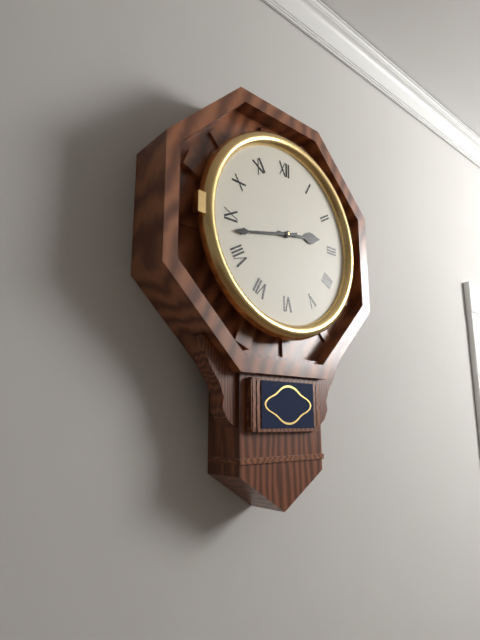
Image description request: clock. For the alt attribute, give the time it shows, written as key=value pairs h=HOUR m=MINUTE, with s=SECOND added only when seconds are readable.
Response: h=2 m=43
